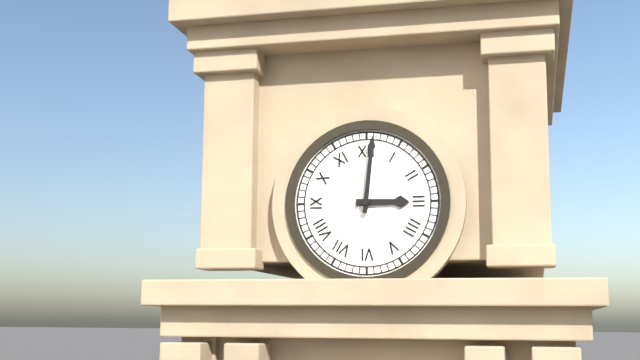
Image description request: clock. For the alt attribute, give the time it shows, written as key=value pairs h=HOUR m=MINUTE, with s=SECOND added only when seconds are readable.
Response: h=3 m=1
